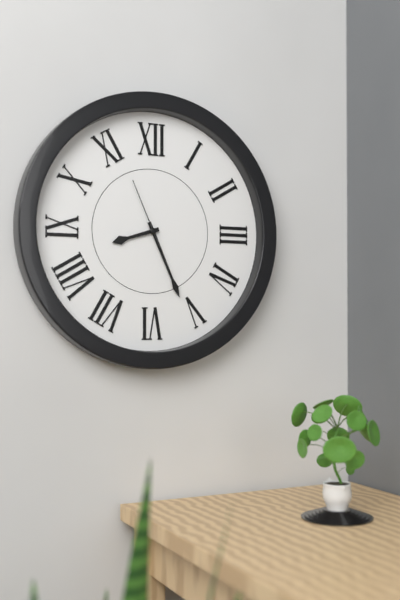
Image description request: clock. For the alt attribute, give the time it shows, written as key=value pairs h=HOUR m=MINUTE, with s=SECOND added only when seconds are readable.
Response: h=8 m=26 s=56
